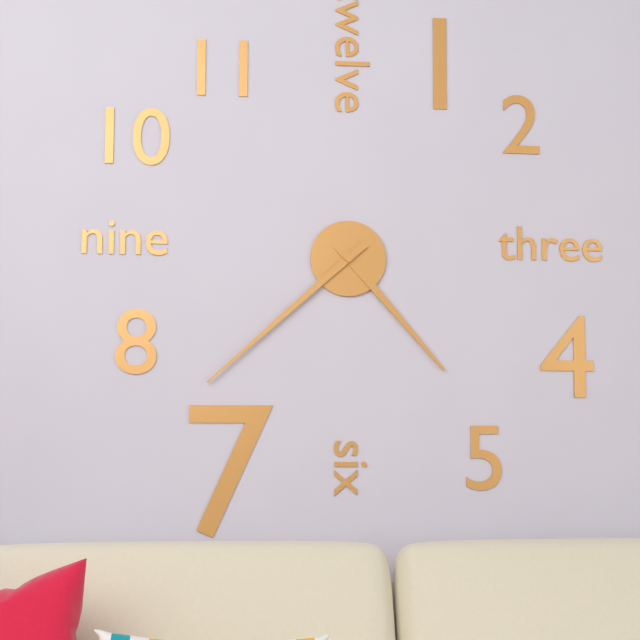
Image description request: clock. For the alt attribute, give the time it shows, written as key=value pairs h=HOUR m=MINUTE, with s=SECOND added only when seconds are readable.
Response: h=4 m=38
